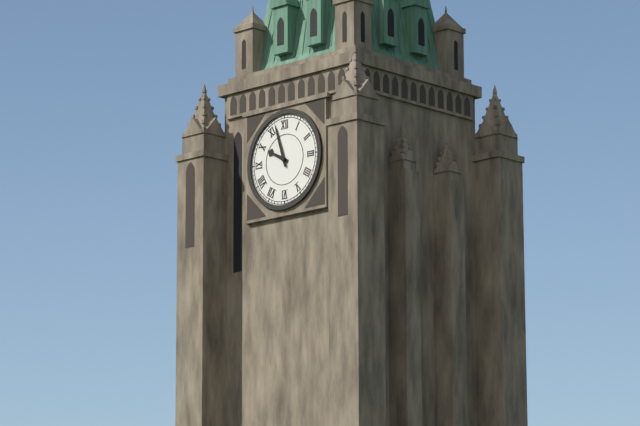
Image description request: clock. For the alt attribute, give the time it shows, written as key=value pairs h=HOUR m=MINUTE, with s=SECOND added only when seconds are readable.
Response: h=9 m=57
